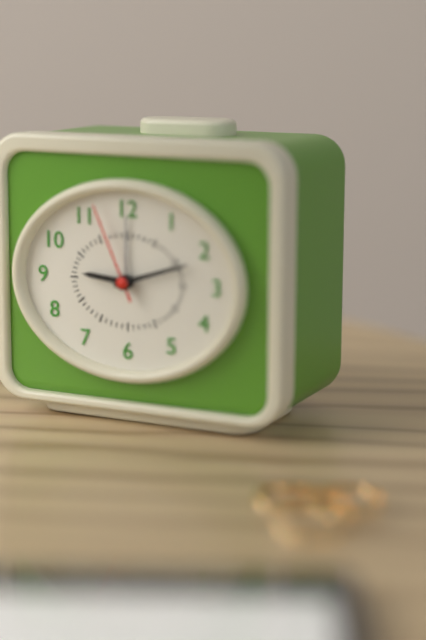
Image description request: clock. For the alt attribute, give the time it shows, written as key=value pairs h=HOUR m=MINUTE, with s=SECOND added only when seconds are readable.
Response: h=9 m=12 s=56
